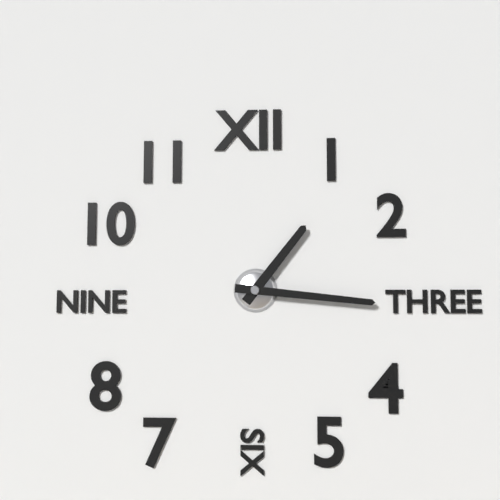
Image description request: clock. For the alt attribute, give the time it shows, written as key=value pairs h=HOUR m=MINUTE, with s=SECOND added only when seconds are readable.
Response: h=1 m=16
